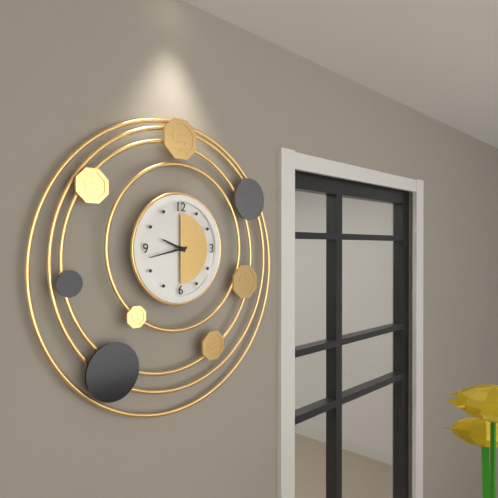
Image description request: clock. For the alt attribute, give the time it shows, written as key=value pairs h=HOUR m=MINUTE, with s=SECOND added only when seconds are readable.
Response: h=9 m=43
